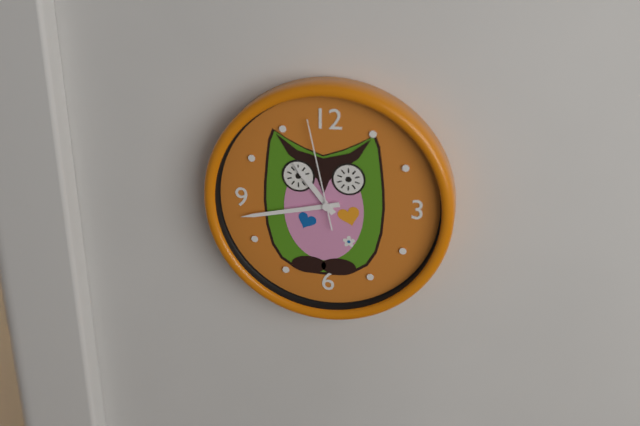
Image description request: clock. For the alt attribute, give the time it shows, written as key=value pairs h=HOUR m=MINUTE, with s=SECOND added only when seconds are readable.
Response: h=10 m=43 s=58
